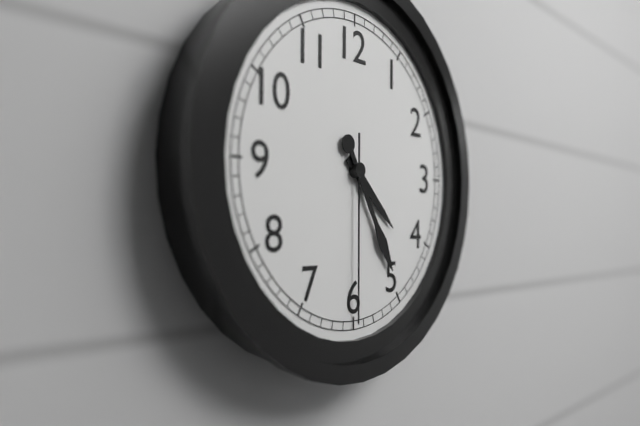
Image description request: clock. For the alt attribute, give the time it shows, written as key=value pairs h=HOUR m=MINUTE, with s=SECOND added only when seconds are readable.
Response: h=4 m=25 s=30
